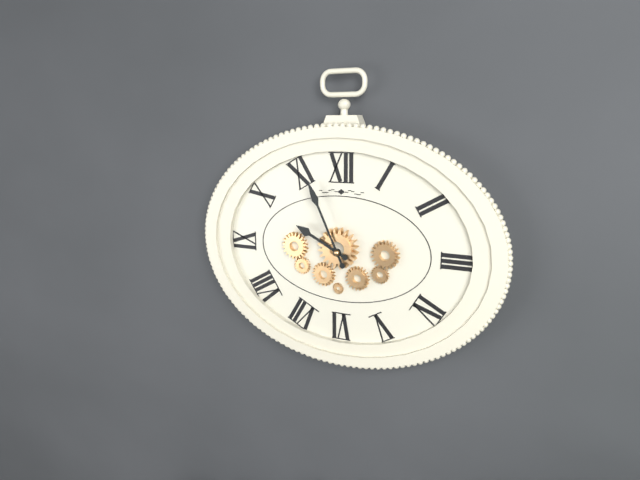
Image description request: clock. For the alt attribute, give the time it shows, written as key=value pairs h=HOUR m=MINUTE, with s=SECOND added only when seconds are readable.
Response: h=9 m=56
